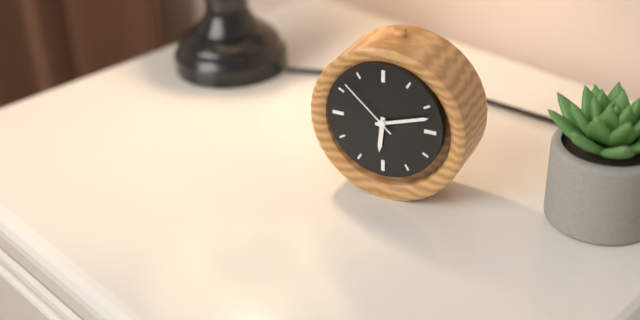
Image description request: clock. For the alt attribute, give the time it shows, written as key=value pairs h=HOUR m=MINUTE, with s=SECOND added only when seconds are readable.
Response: h=6 m=12 s=52
